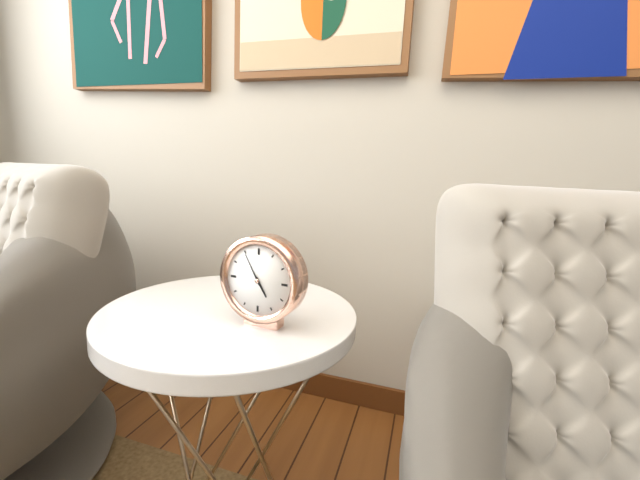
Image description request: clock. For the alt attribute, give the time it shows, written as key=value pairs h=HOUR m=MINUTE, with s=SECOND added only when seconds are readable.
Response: h=4 m=55
